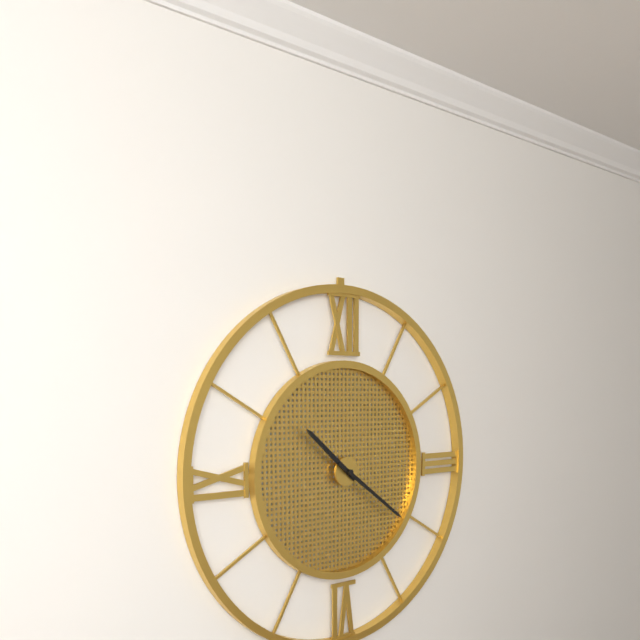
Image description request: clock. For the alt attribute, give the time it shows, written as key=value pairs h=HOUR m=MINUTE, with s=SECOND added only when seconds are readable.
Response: h=10 m=21
